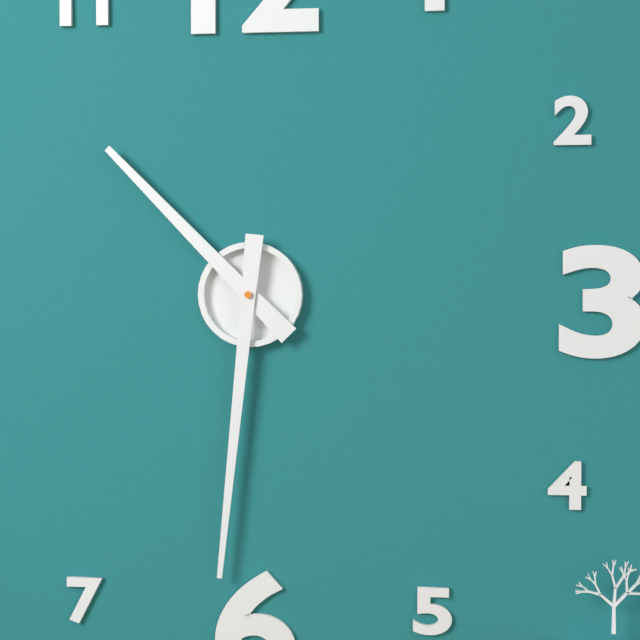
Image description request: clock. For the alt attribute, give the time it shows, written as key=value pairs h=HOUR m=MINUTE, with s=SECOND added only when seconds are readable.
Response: h=10 m=31
